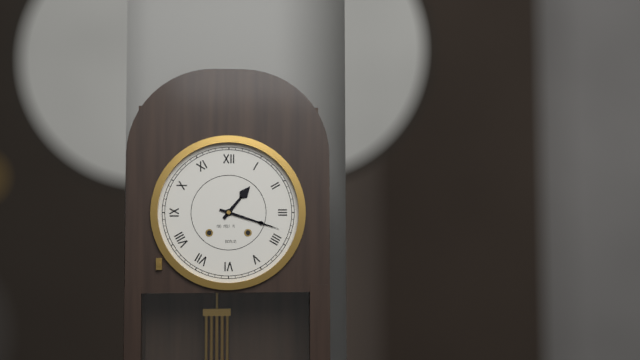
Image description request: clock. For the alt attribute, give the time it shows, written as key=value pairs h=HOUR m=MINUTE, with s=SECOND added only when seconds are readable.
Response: h=1 m=18
